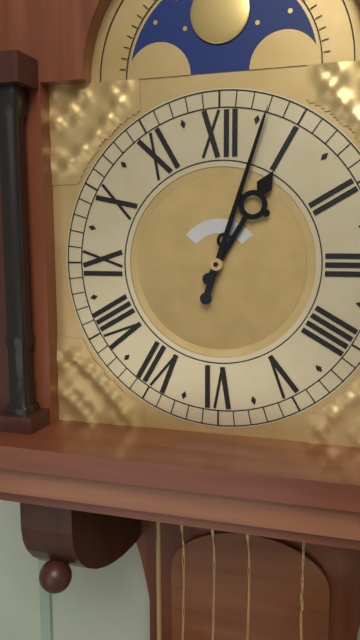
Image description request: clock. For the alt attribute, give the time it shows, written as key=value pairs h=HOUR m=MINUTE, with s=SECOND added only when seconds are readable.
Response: h=1 m=3
